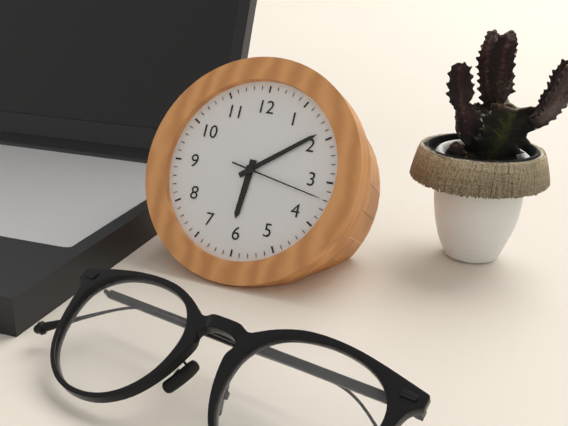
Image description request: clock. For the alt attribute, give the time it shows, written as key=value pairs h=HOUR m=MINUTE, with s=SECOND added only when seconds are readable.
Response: h=6 m=9 s=17
